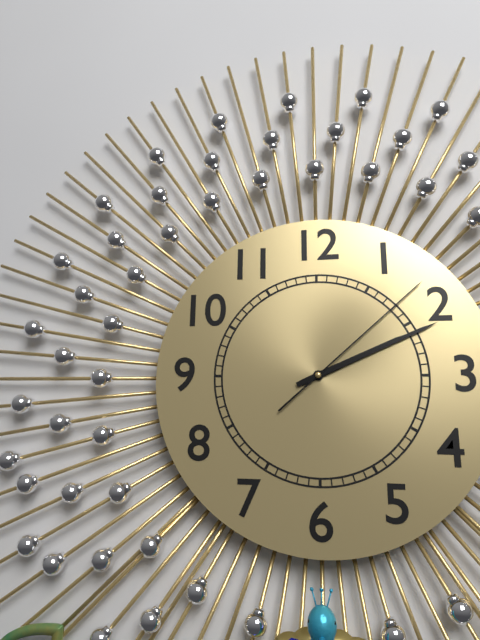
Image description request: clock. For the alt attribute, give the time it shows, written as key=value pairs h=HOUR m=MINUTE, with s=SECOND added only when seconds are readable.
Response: h=2 m=11 s=8
